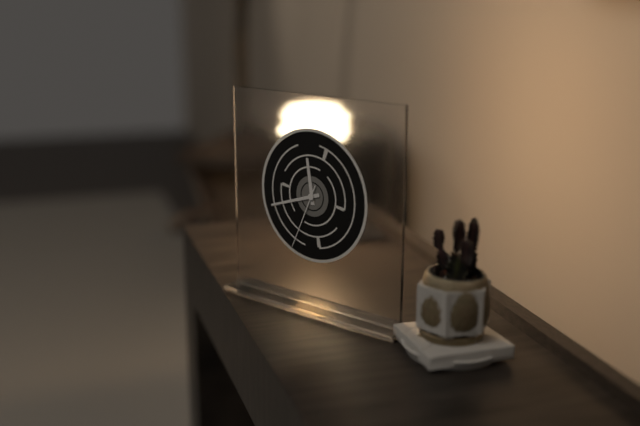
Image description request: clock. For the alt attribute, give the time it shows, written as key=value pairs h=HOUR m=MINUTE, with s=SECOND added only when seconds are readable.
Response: h=11 m=42 s=34
